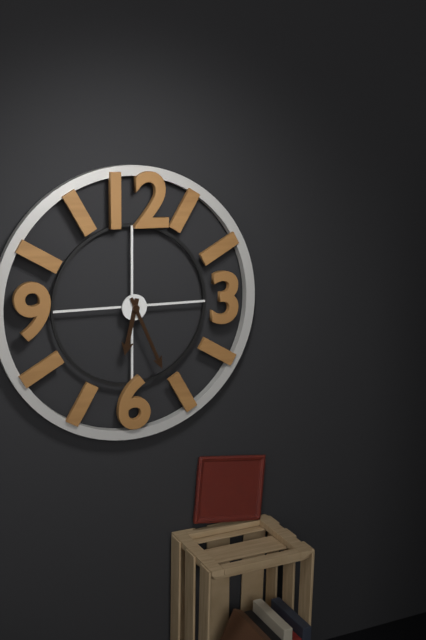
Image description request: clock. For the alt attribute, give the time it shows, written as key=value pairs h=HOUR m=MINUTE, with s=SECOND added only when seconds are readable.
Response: h=6 m=26
